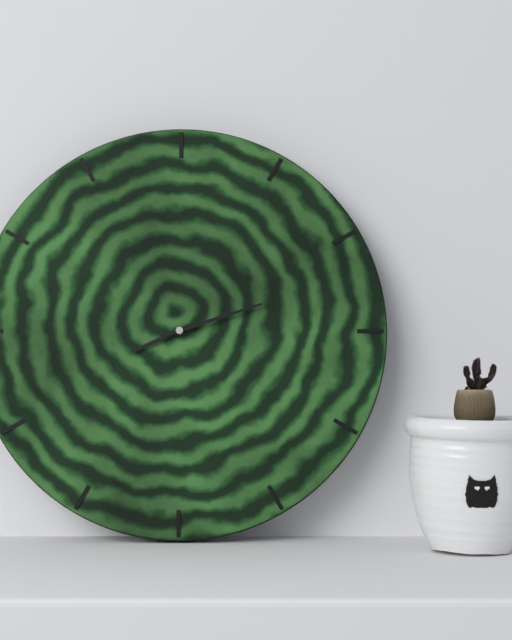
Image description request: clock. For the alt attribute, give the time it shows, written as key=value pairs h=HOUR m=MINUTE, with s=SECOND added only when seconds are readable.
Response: h=8 m=12
